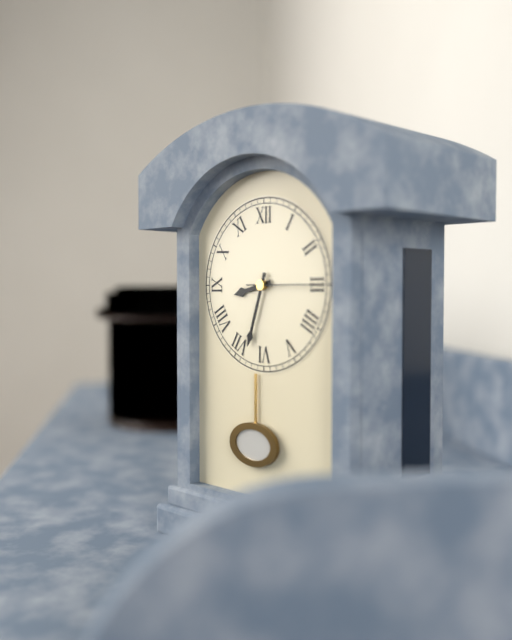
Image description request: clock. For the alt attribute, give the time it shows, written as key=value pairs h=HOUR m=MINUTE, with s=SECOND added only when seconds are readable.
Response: h=8 m=33
